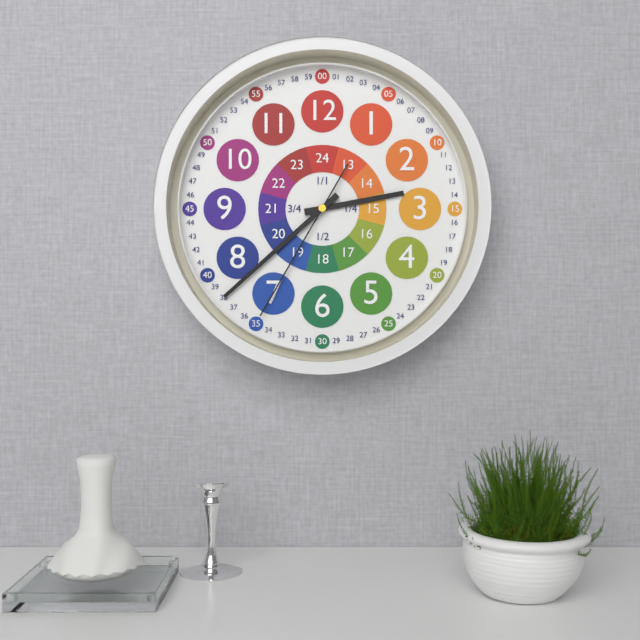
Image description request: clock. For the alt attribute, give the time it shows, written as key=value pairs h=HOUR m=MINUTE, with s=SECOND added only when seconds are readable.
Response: h=2 m=38 s=35
